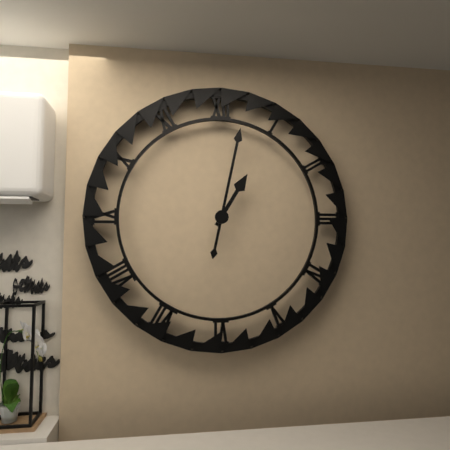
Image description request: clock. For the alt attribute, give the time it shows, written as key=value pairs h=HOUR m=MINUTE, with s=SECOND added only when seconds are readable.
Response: h=1 m=2
